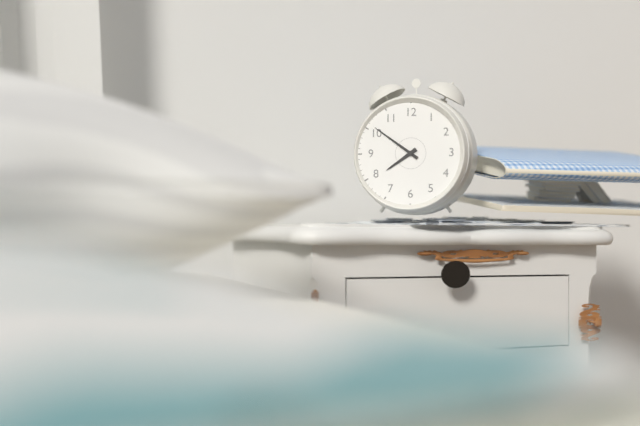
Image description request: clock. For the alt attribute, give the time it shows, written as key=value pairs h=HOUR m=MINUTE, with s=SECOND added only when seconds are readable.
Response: h=7 m=51
